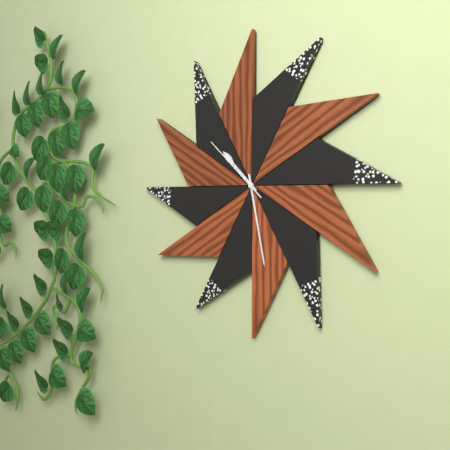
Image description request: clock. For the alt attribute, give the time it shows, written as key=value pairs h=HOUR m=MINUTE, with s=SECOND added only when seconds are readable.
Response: h=10 m=28 s=52
